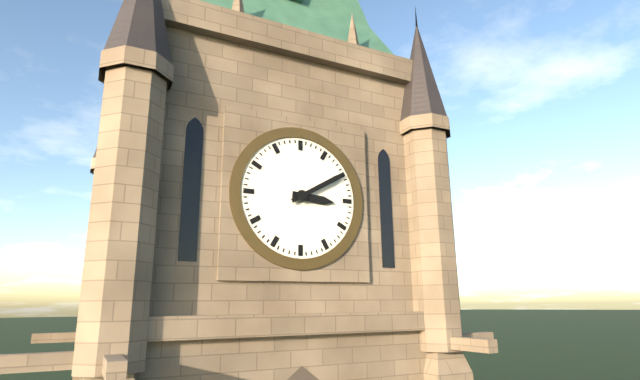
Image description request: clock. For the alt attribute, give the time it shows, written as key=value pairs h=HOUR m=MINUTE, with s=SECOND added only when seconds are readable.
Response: h=3 m=10
